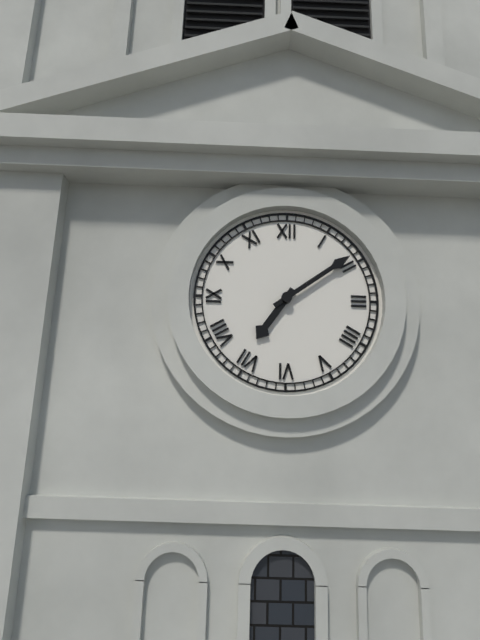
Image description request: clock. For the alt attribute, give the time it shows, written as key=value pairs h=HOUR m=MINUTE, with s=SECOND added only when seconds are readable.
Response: h=7 m=9
